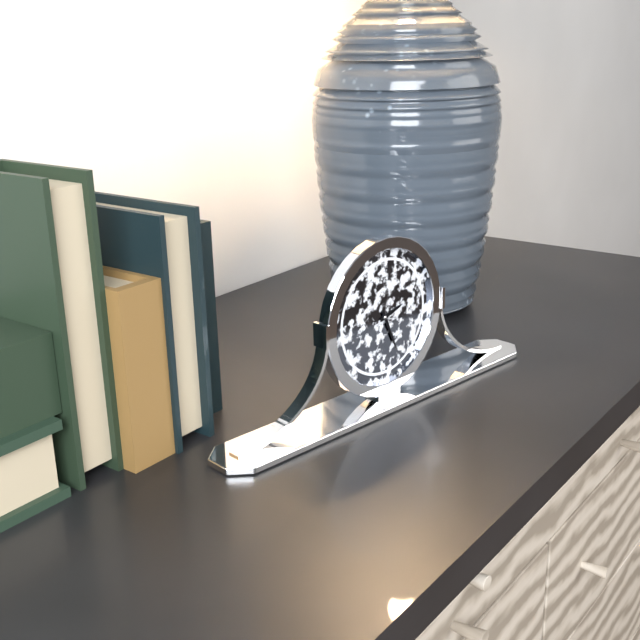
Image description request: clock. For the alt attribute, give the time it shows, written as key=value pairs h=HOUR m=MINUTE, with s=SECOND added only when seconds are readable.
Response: h=2 m=26
